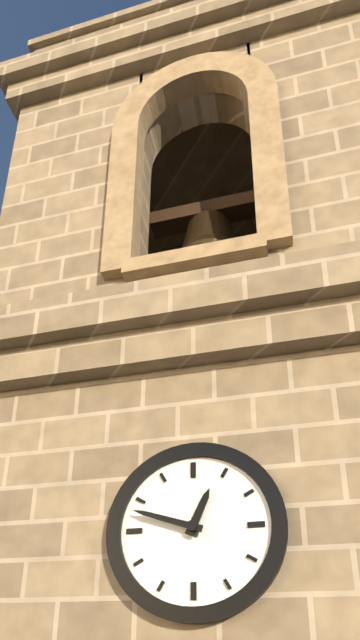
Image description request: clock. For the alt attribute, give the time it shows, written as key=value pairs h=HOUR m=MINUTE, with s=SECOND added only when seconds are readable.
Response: h=12 m=48
